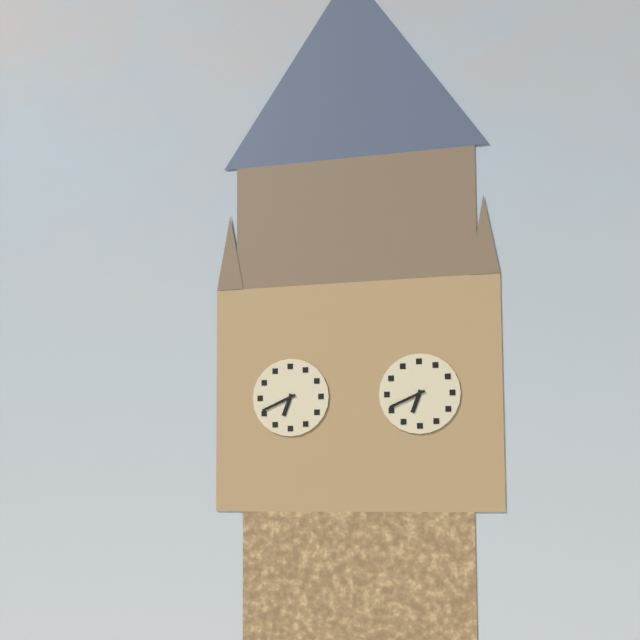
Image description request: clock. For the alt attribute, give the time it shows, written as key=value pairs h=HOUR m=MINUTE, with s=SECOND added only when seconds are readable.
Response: h=6 m=41
